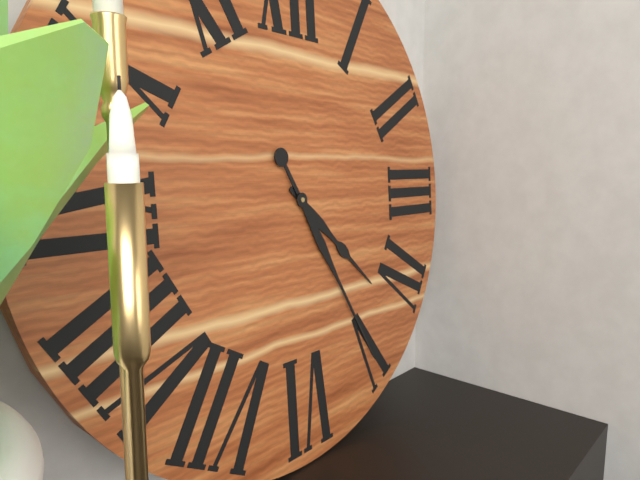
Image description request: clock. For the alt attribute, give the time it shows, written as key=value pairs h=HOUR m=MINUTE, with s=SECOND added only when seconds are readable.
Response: h=4 m=25
